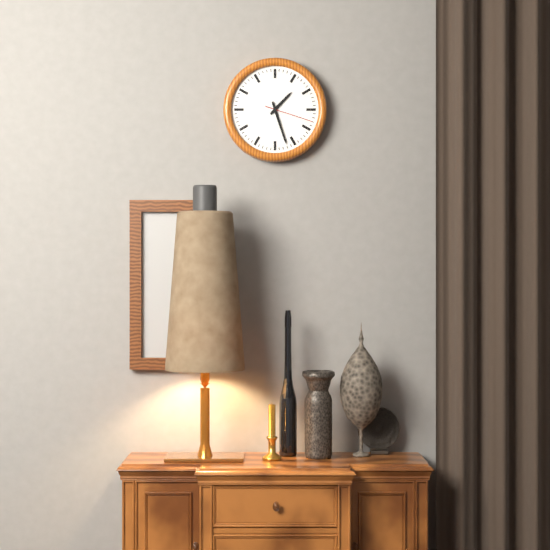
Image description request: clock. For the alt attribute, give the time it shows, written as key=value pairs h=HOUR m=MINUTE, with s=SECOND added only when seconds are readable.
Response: h=1 m=27
